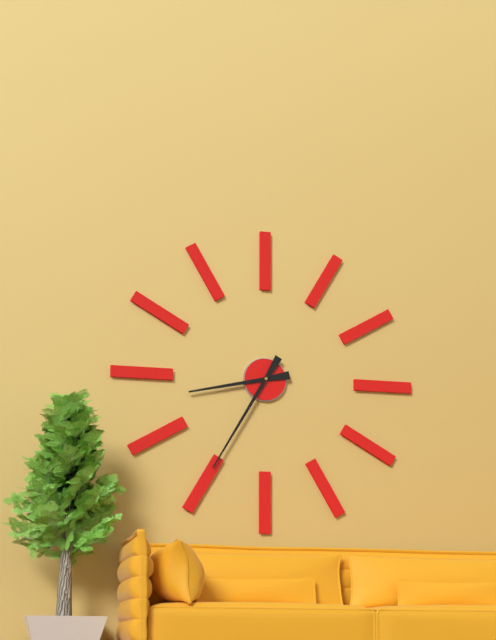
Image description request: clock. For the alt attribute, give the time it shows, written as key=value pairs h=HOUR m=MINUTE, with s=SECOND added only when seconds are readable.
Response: h=8 m=35
